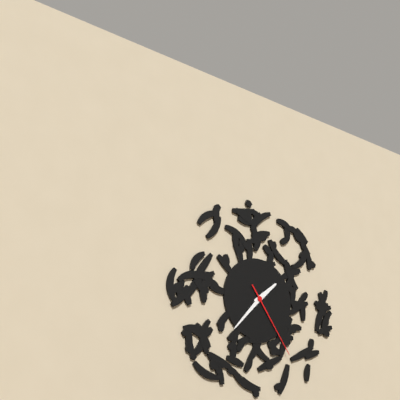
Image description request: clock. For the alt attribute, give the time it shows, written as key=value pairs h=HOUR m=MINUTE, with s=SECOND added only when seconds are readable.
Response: h=1 m=37 s=24
